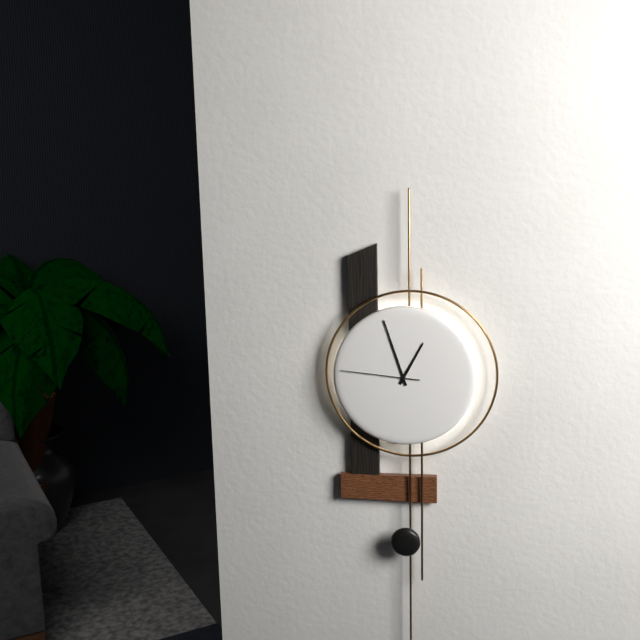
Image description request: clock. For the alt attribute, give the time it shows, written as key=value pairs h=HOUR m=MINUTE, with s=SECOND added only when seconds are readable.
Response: h=12 m=57 s=46
